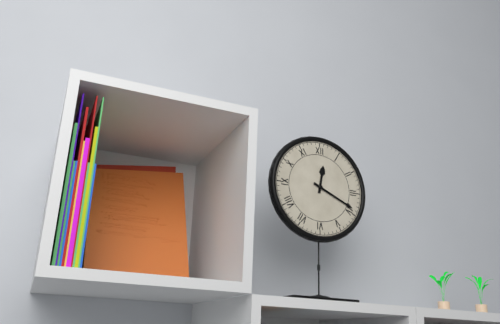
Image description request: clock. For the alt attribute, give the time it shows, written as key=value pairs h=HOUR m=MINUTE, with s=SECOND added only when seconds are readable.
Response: h=12 m=19
